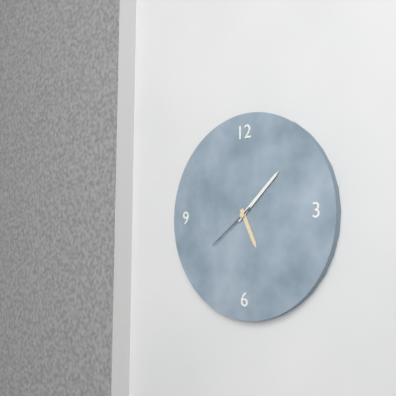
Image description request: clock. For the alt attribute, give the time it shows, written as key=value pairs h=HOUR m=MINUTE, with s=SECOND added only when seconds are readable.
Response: h=5 m=8 s=39
